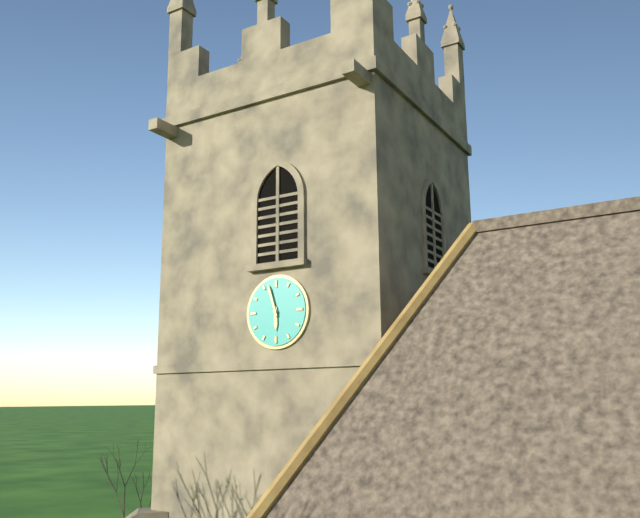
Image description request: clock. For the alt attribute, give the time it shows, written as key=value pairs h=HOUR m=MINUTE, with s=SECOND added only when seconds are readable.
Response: h=5 m=57
